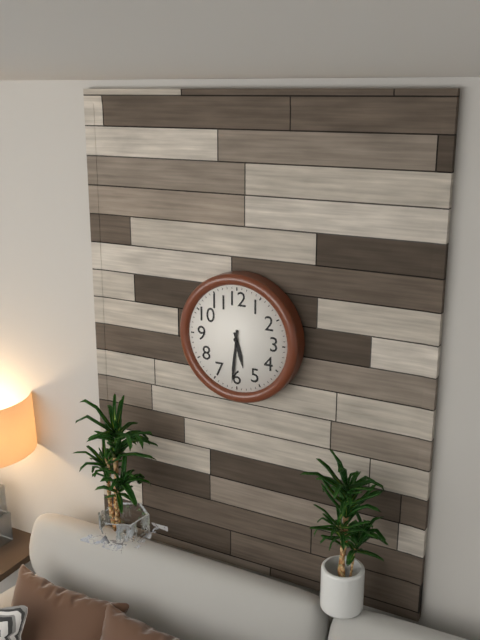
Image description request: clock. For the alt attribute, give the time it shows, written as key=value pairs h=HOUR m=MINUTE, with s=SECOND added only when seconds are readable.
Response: h=5 m=31
